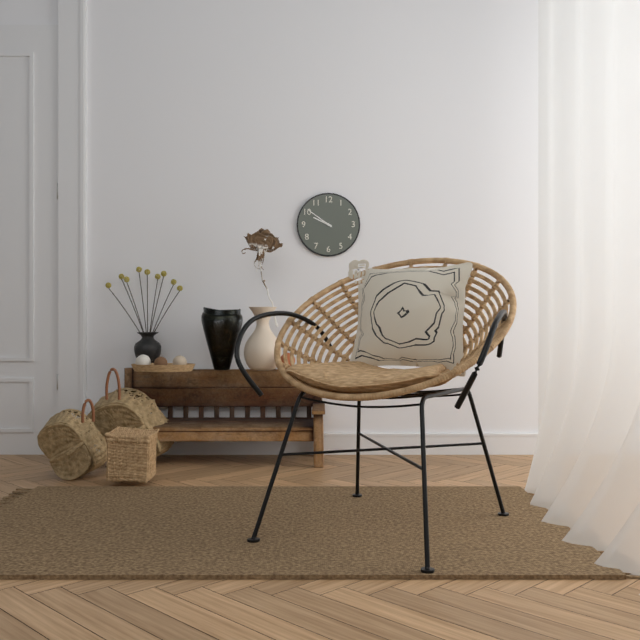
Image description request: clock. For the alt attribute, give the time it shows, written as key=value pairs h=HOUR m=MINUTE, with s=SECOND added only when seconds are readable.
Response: h=9 m=51
